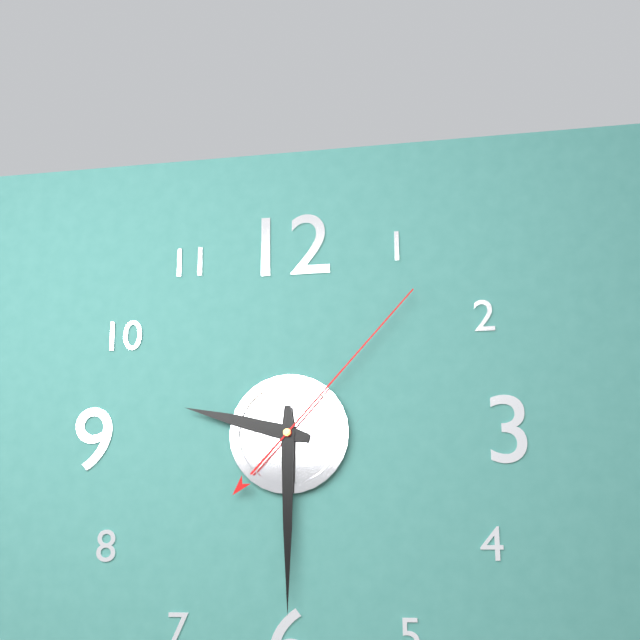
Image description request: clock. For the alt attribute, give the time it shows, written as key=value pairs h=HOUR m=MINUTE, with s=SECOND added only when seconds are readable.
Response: h=9 m=30 s=7
